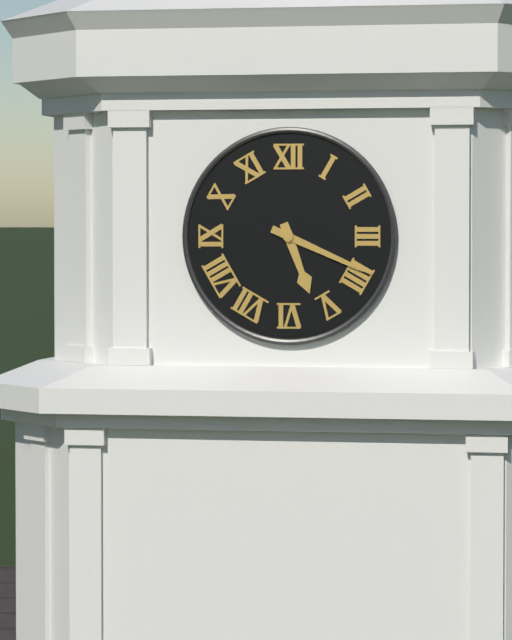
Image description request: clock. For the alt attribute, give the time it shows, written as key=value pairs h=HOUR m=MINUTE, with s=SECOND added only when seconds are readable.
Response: h=5 m=19
